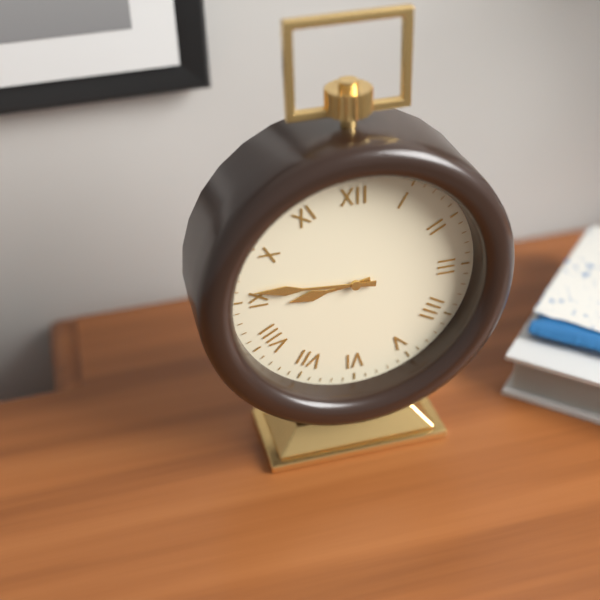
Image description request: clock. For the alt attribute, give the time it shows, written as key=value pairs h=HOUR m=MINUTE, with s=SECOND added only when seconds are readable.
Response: h=8 m=46
